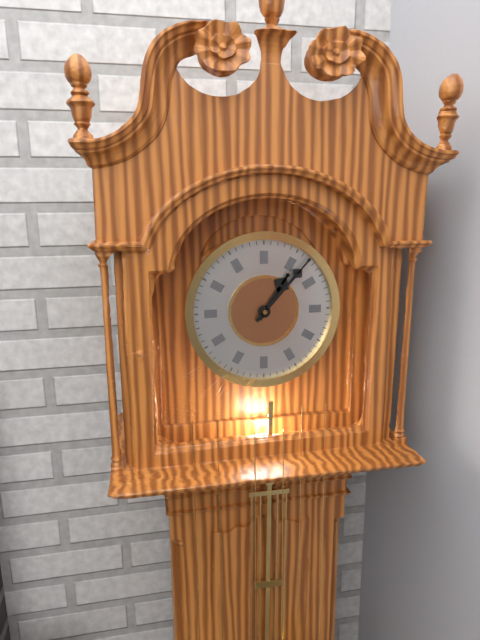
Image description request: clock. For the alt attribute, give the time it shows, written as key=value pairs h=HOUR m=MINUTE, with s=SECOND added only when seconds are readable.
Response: h=1 m=7
